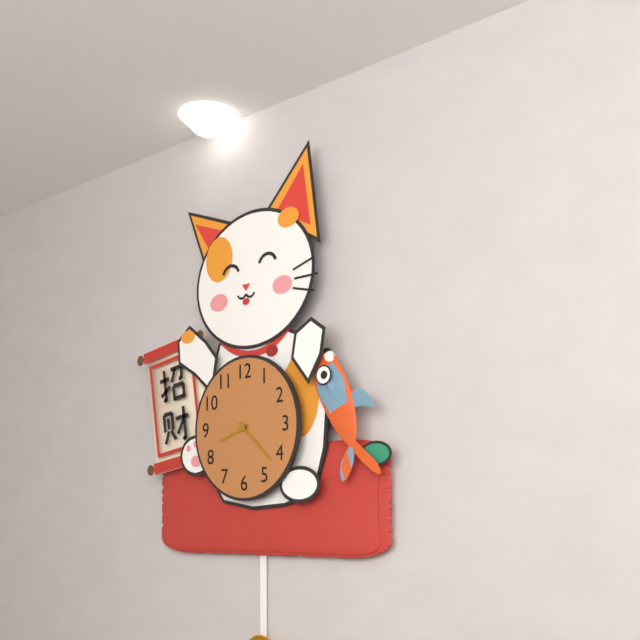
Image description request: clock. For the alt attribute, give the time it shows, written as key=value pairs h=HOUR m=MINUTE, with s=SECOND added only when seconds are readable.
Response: h=8 m=22
